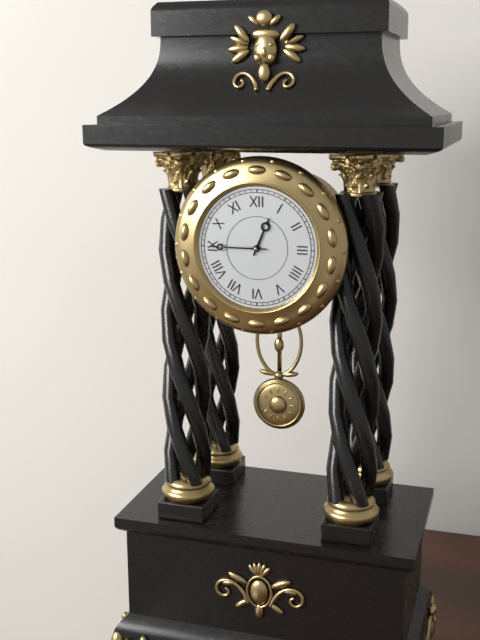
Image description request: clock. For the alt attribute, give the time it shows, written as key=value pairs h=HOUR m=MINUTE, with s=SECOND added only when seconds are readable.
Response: h=12 m=45
